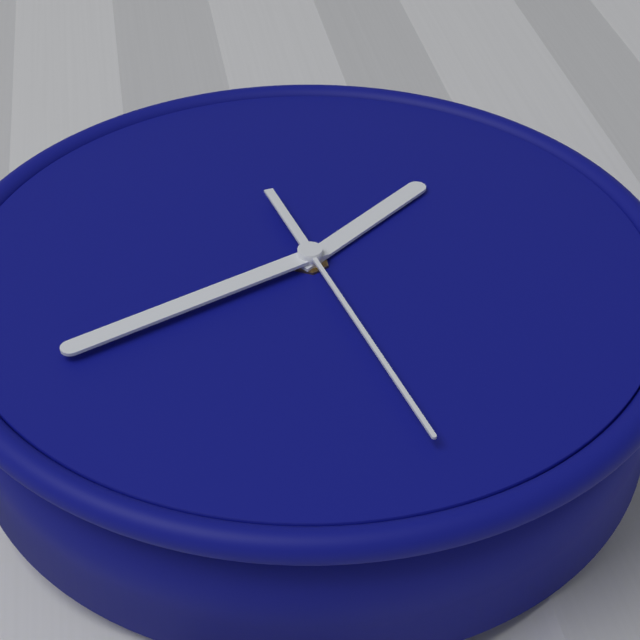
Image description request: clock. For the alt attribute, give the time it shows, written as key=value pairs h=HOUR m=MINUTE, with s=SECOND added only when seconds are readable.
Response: h=1 m=41 s=28
